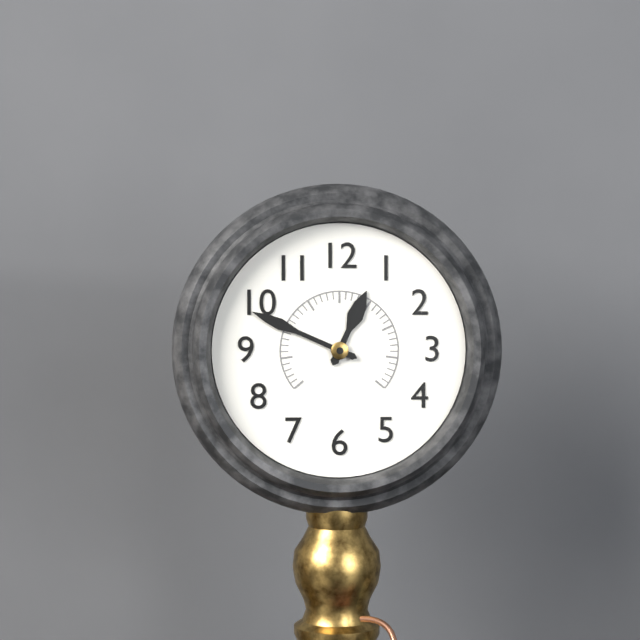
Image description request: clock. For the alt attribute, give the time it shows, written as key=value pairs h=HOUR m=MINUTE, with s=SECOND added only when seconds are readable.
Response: h=12 m=49
